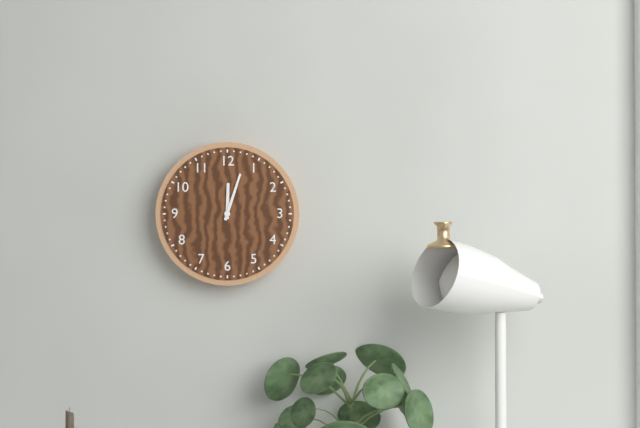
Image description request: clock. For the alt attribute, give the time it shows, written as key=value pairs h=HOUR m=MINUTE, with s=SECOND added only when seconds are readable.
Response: h=12 m=3
